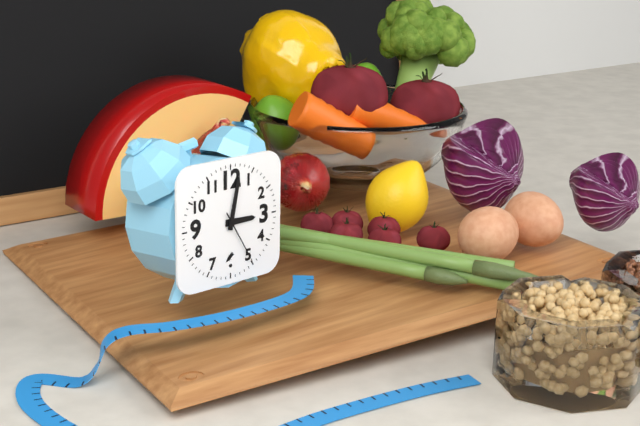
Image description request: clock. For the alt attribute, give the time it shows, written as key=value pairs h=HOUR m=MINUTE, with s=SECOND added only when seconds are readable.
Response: h=3 m=2 s=25
